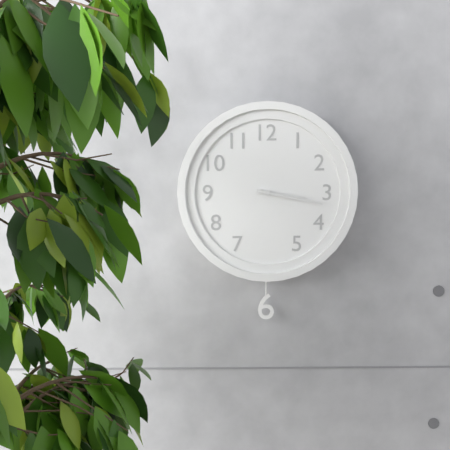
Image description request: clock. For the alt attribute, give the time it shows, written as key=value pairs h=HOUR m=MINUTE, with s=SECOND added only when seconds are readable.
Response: h=3 m=17
